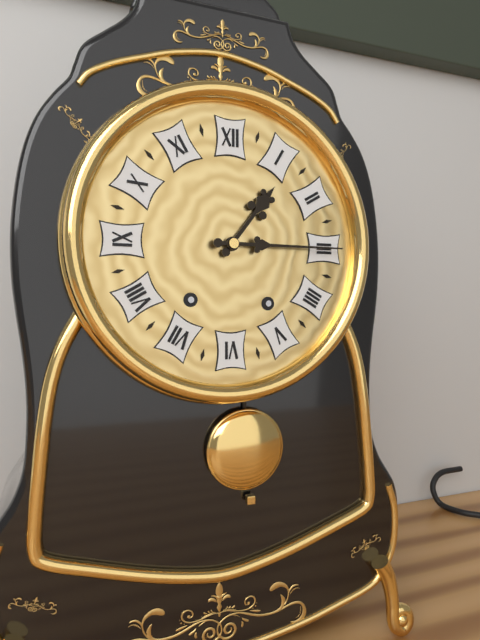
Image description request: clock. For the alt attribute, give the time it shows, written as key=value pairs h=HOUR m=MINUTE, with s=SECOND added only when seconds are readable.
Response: h=1 m=15
